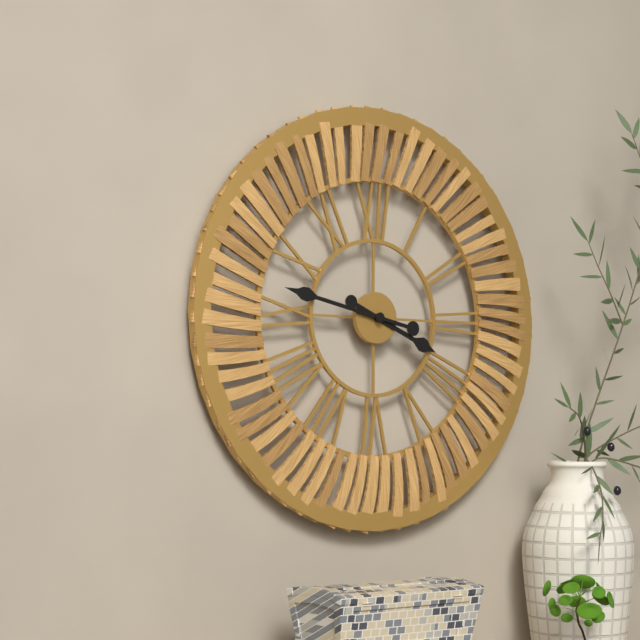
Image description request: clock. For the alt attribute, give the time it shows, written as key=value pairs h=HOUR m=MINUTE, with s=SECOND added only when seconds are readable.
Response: h=3 m=47
